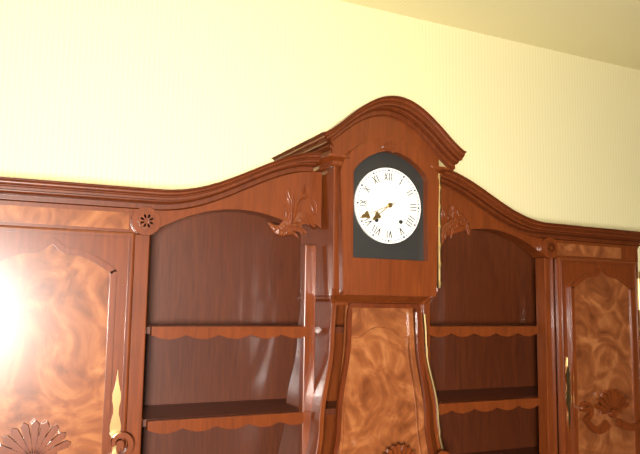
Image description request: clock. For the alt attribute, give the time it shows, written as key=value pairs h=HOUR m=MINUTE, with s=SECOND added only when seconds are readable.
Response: h=7 m=41
